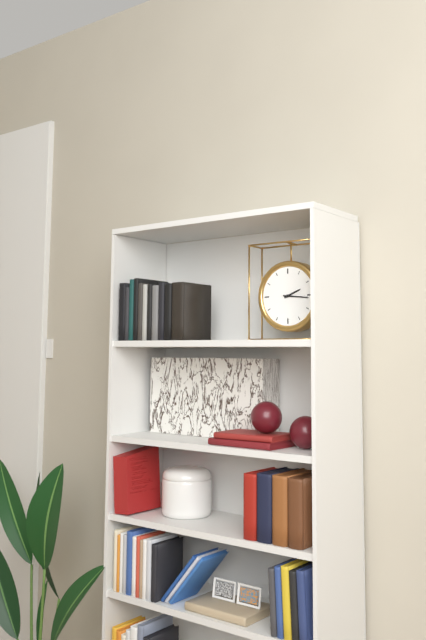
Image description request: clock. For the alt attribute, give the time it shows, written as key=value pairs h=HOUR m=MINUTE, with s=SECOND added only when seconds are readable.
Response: h=2 m=16
